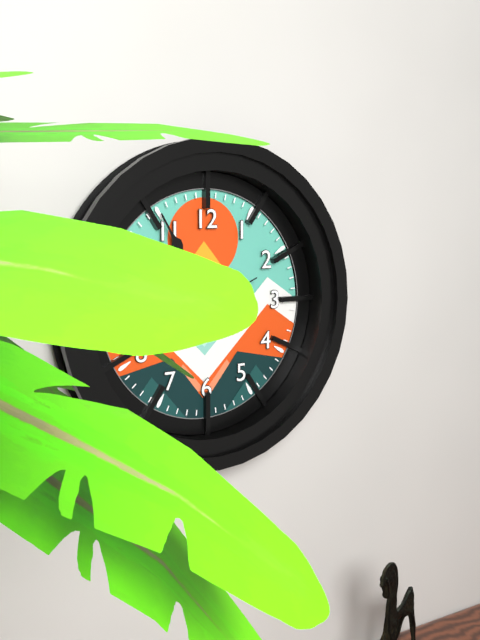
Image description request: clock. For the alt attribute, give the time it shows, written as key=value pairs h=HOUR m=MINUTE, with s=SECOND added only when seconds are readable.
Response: h=10 m=55 s=11
